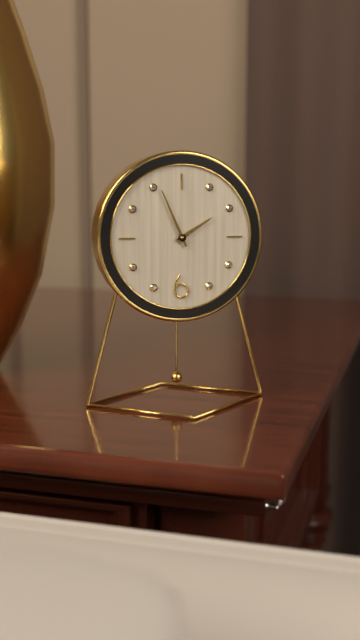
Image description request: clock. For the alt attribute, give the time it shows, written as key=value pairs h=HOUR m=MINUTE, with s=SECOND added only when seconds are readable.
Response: h=1 m=56
